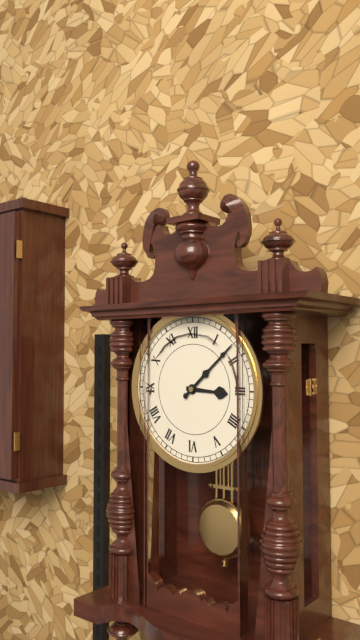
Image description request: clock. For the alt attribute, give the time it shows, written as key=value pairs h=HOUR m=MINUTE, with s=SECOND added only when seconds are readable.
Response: h=3 m=8
